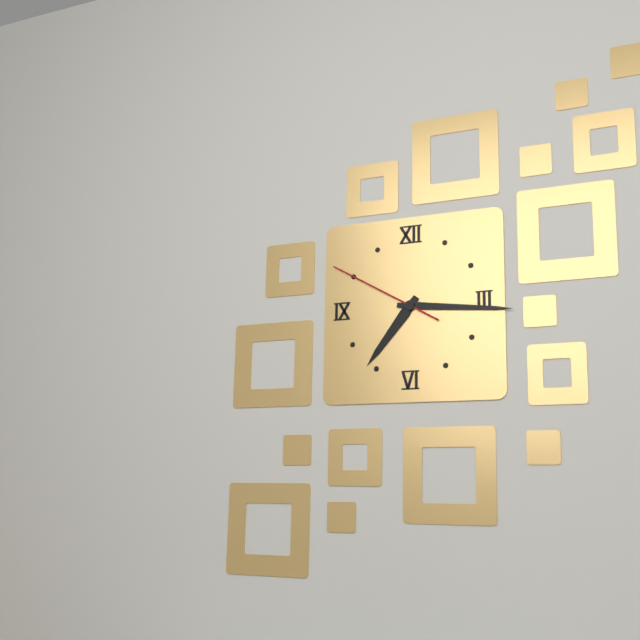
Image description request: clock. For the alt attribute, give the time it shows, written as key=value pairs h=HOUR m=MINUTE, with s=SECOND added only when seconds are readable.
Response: h=7 m=16 s=50
